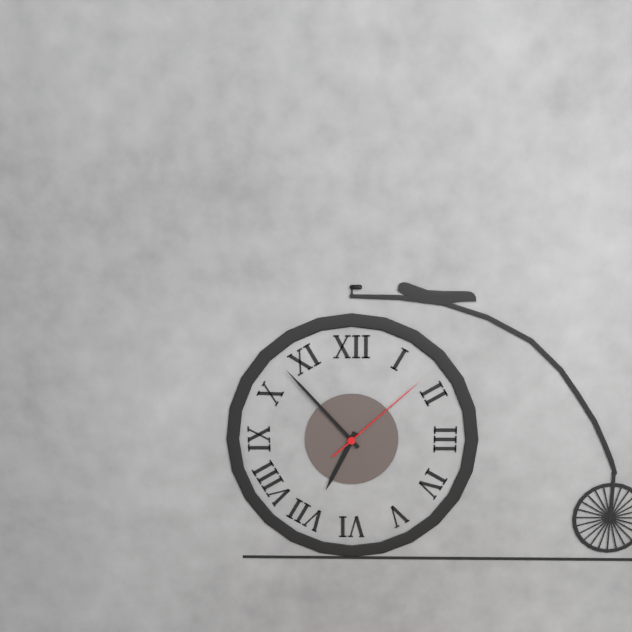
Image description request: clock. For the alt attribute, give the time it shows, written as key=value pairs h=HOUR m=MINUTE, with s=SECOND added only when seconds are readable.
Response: h=6 m=53 s=8
